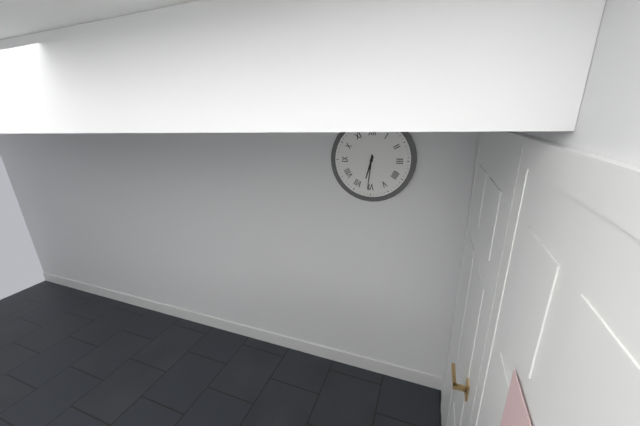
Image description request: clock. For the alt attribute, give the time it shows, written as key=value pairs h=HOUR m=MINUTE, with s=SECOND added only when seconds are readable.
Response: h=6 m=31
